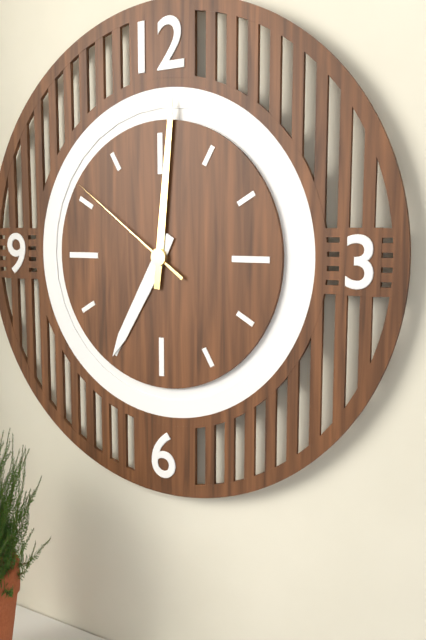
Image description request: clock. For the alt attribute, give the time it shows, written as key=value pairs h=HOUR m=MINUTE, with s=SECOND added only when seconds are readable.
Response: h=7 m=1 s=51
